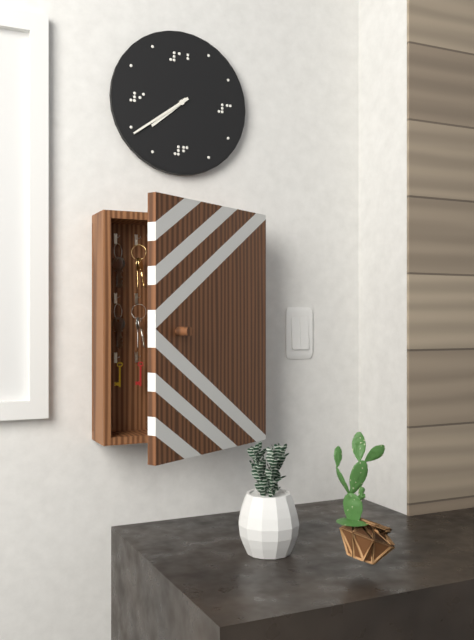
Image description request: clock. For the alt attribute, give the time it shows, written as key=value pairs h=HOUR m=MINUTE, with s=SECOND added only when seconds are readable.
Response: h=7 m=39
